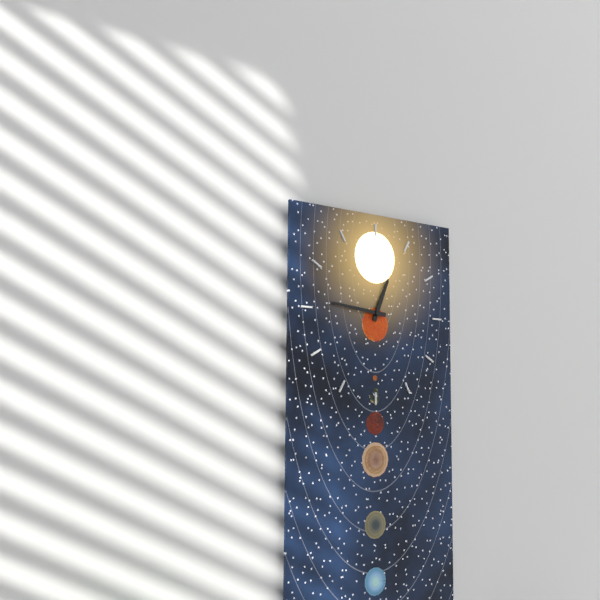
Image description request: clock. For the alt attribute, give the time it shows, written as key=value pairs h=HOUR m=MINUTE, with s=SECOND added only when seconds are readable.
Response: h=12 m=46
